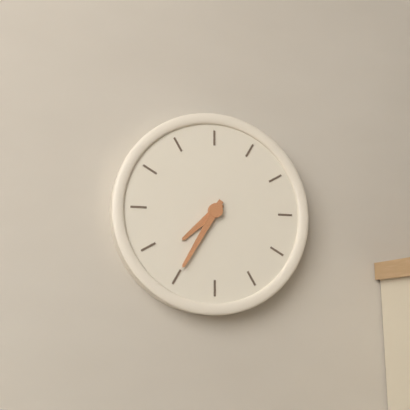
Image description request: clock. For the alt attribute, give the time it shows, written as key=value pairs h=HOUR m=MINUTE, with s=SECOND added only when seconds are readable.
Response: h=7 m=35
